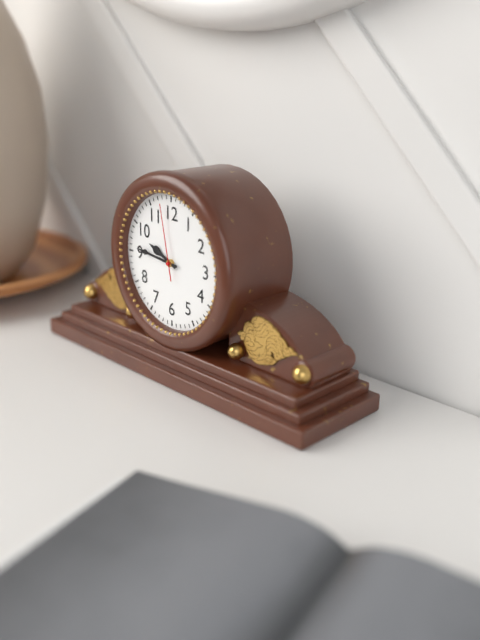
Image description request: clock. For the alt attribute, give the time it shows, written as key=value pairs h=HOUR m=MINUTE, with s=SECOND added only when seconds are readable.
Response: h=9 m=46 s=58
